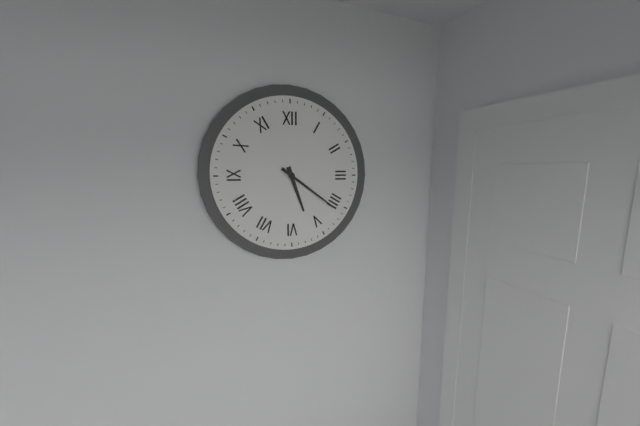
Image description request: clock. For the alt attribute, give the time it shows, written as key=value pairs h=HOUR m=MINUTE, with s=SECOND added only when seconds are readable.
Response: h=5 m=21
